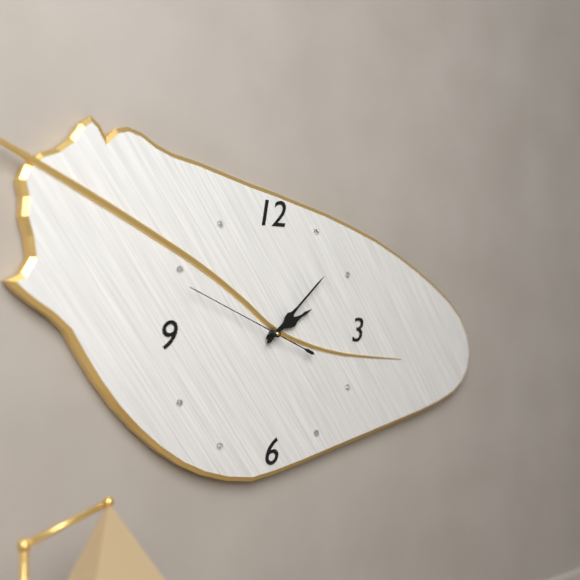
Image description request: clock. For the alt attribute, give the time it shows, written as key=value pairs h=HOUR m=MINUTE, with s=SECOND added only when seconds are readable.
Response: h=2 m=8 s=49
